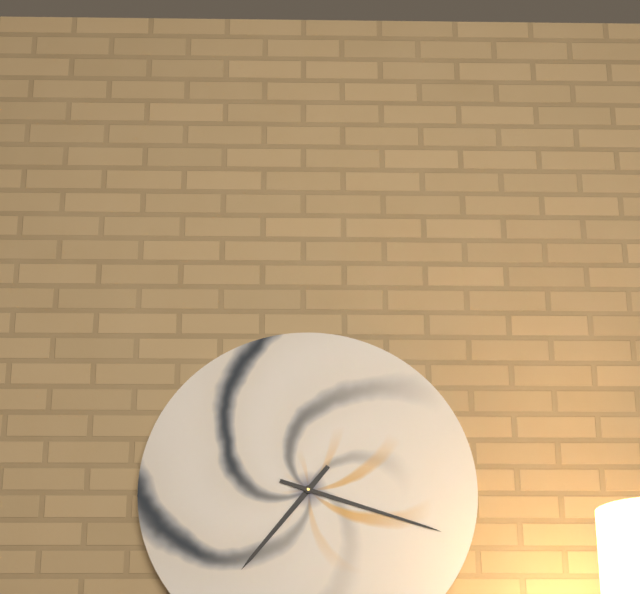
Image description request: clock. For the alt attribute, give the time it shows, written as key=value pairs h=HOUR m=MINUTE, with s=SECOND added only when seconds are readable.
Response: h=7 m=18
